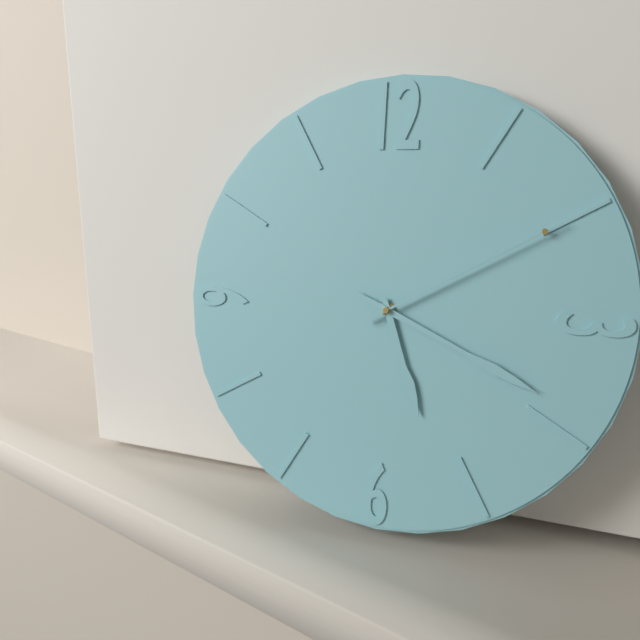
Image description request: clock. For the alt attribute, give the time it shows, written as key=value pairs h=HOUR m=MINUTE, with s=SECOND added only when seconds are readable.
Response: h=5 m=19 s=10
